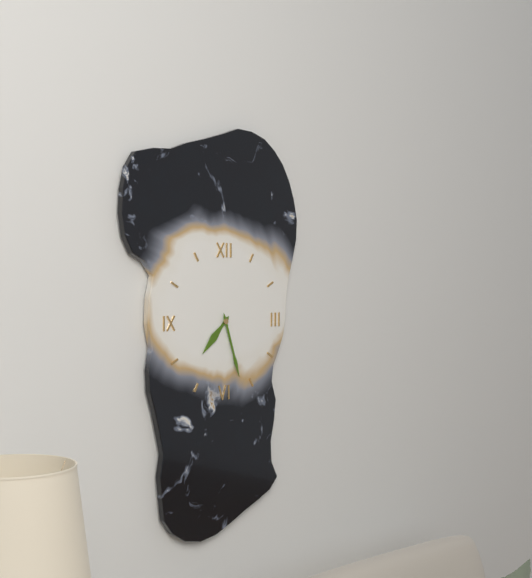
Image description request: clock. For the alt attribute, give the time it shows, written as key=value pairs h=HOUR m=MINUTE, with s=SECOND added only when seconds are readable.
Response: h=7 m=27
